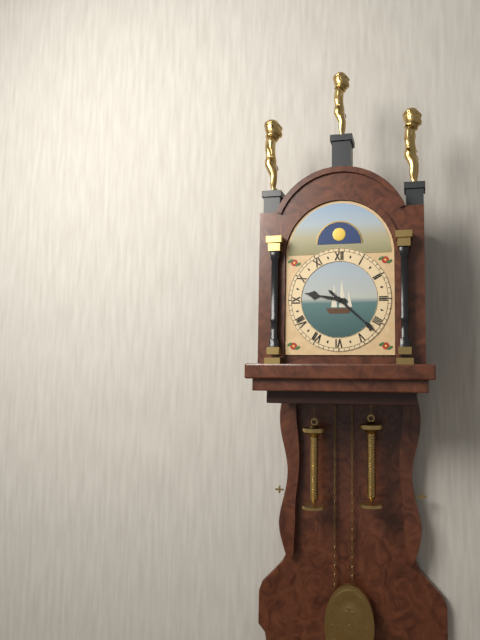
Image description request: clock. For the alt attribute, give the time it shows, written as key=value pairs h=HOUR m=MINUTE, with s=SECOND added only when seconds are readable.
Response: h=9 m=22
